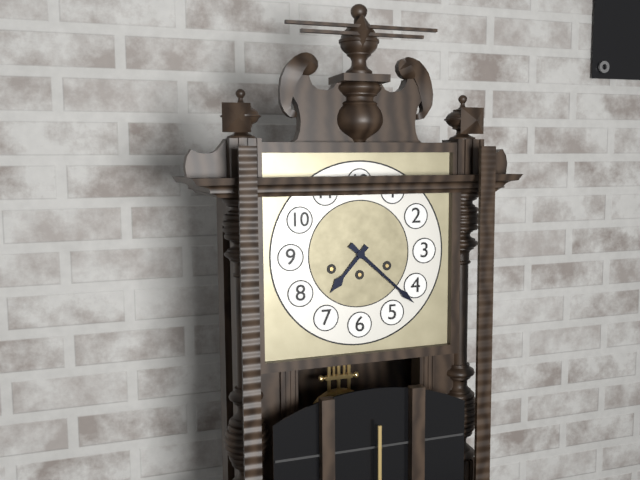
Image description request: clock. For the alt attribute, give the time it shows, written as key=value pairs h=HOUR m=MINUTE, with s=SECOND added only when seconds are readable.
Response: h=7 m=22
